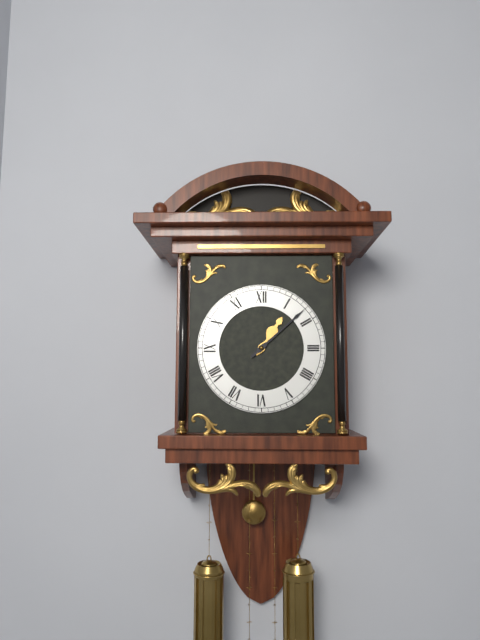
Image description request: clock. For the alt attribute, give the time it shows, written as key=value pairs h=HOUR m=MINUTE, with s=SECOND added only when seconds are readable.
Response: h=1 m=8
